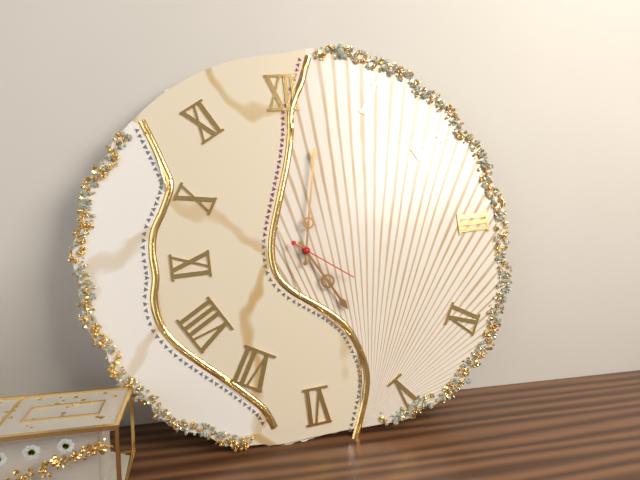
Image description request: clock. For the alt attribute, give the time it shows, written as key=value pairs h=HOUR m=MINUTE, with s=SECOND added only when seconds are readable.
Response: h=5 m=2 s=21
